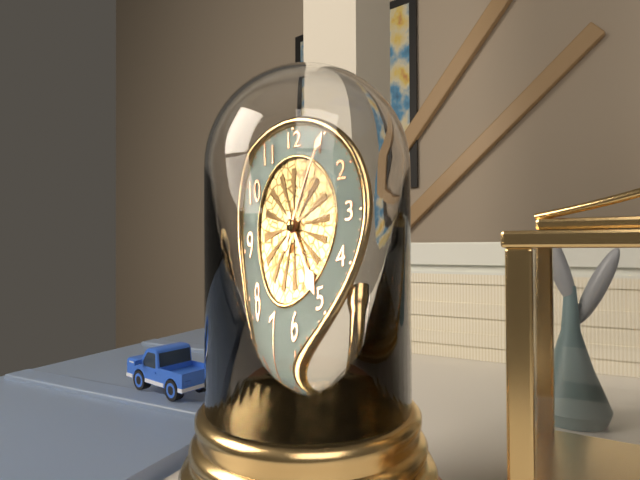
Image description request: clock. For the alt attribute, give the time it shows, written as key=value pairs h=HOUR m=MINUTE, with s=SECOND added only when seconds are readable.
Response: h=5 m=5
